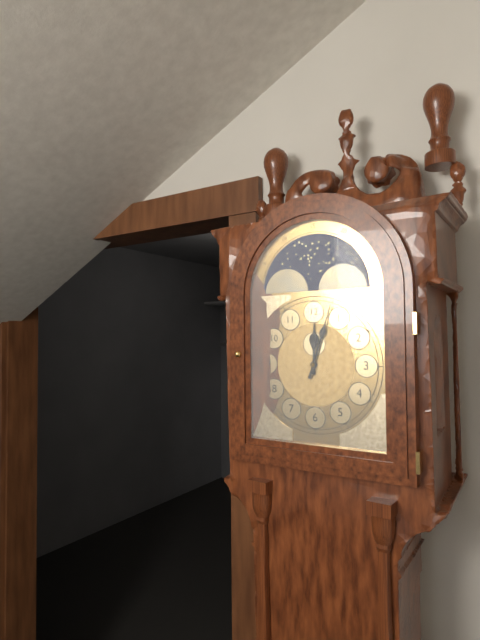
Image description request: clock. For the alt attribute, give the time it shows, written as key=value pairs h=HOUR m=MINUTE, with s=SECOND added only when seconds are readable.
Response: h=12 m=3
